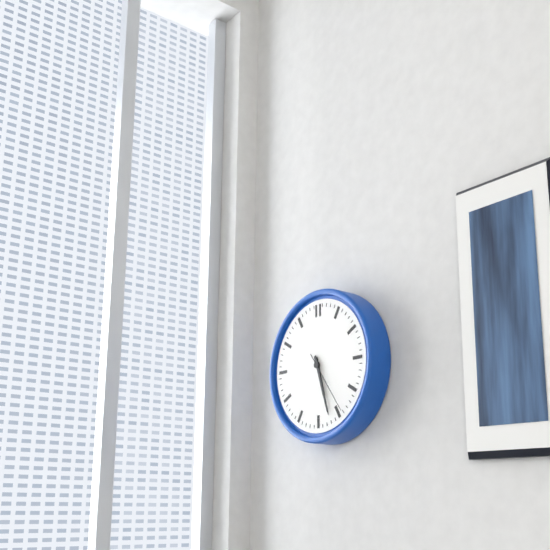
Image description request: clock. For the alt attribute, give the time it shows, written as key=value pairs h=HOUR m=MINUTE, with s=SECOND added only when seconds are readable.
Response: h=5 m=27 s=24
